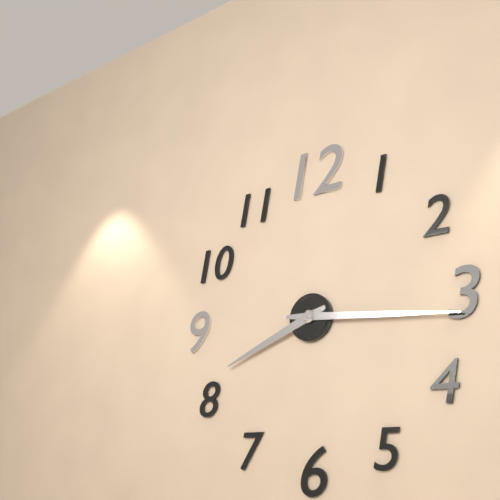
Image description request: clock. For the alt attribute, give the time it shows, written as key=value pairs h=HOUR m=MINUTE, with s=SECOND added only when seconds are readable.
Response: h=8 m=16
